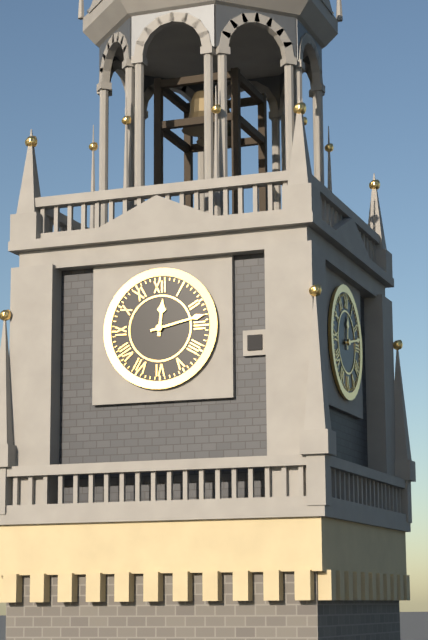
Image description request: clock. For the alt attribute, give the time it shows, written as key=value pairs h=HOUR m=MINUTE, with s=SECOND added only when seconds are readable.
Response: h=12 m=13
